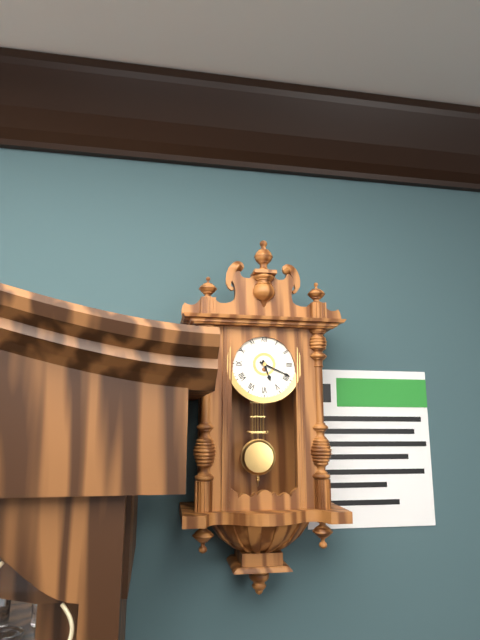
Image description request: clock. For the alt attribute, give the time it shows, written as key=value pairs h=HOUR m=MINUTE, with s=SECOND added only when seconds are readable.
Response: h=5 m=19
